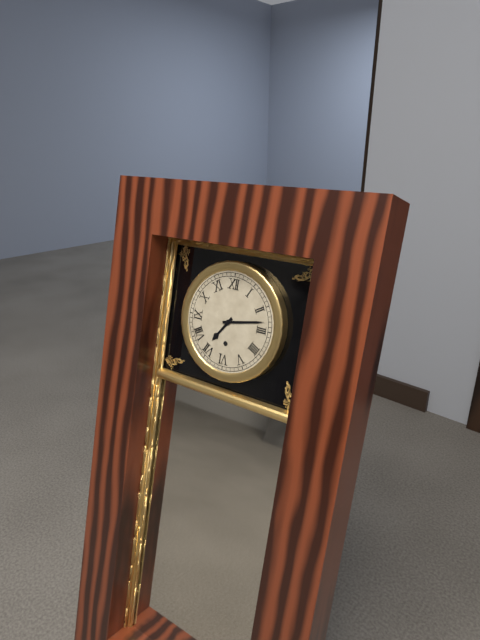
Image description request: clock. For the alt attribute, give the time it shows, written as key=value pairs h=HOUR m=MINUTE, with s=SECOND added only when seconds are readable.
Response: h=7 m=13
